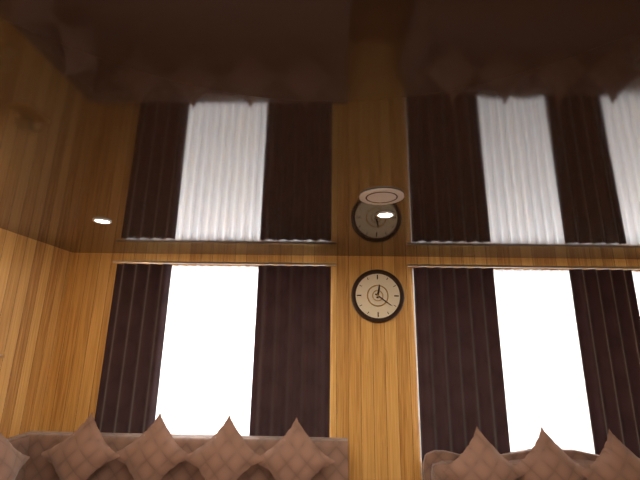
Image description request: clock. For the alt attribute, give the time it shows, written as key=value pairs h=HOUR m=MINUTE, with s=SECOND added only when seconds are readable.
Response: h=12 m=21
